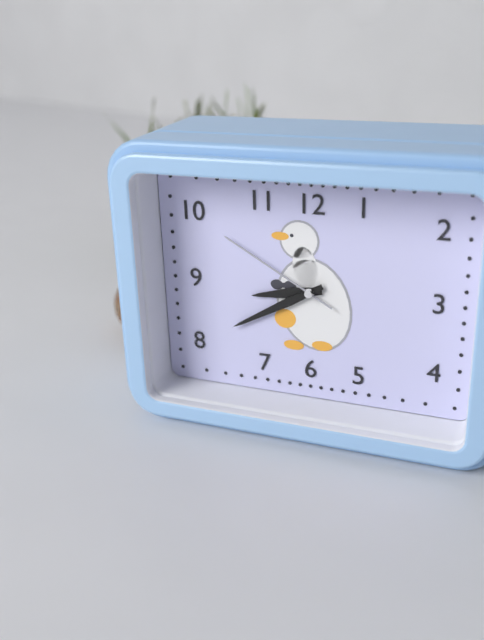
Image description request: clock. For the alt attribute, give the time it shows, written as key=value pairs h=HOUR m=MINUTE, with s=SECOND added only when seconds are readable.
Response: h=8 m=40 s=50
